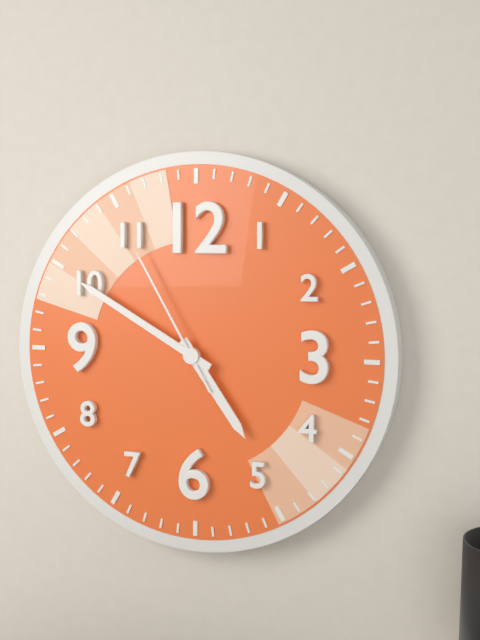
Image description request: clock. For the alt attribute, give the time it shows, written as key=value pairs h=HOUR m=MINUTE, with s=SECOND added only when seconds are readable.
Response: h=4 m=50 s=55
